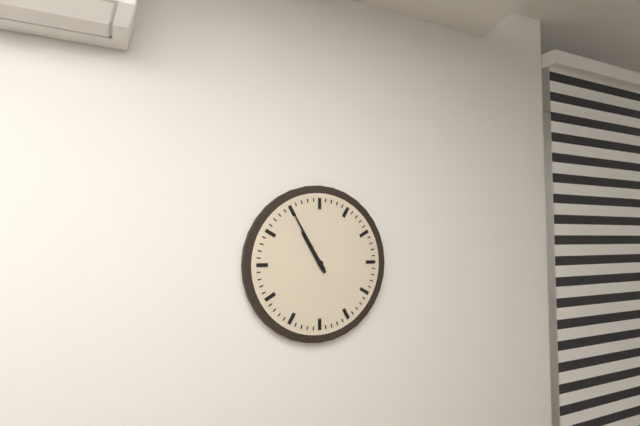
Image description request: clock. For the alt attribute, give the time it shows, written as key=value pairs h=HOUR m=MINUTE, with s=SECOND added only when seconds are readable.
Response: h=10 m=55
